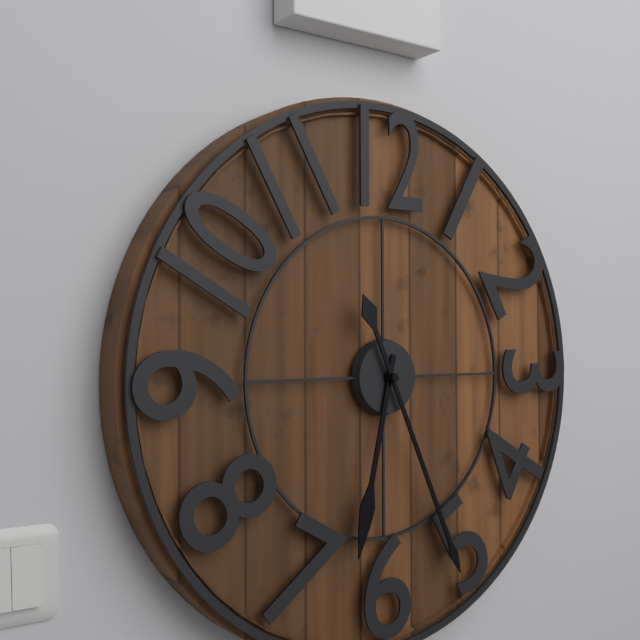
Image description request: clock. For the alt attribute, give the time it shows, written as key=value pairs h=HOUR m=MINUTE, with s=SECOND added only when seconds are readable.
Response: h=6 m=26
